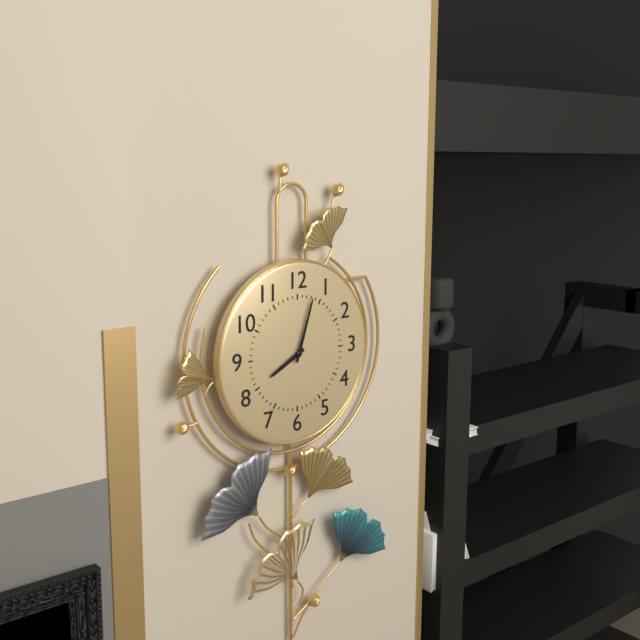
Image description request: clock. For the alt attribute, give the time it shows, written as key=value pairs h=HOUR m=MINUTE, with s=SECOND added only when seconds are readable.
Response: h=8 m=3
